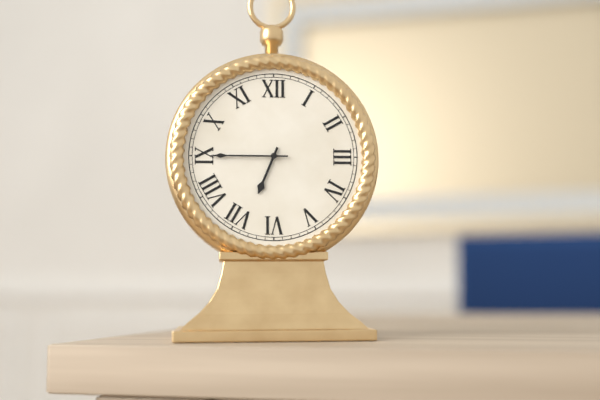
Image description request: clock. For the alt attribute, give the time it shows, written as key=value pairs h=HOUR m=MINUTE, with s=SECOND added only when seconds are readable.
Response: h=6 m=45
